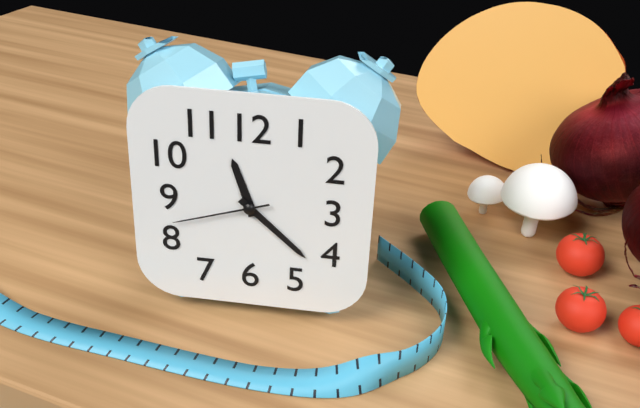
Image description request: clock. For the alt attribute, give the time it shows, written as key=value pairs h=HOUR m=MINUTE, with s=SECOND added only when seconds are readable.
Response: h=11 m=22 s=42
